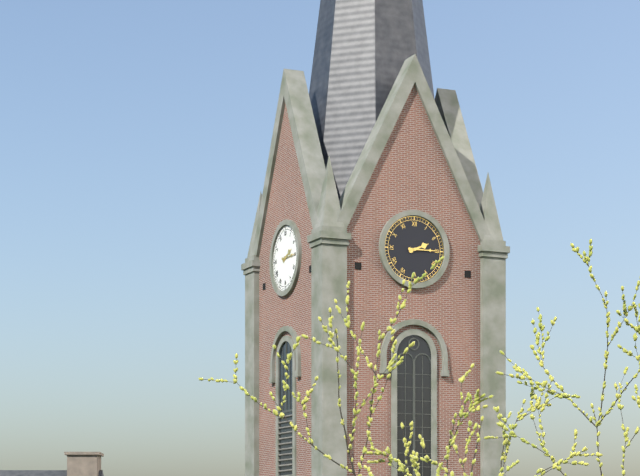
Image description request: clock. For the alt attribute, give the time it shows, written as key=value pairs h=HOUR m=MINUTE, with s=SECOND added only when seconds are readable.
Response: h=2 m=15
